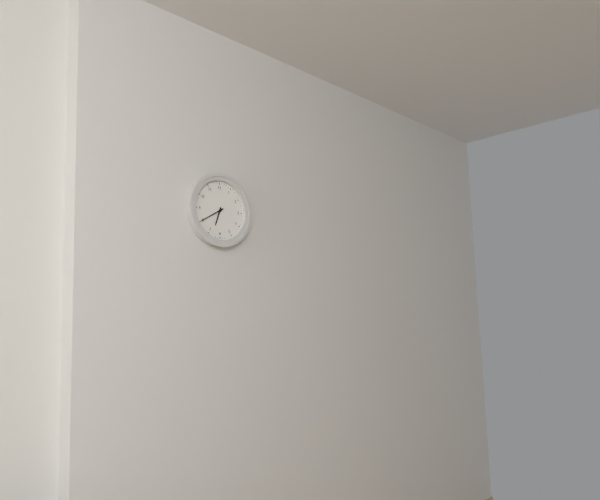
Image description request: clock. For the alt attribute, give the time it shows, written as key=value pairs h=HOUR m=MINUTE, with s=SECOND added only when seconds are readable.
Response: h=6 m=40
